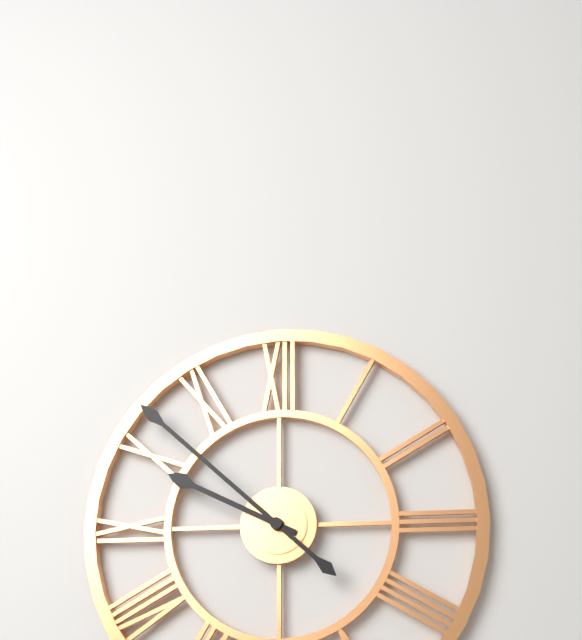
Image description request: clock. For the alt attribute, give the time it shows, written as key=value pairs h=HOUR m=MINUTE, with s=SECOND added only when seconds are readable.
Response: h=9 m=52
